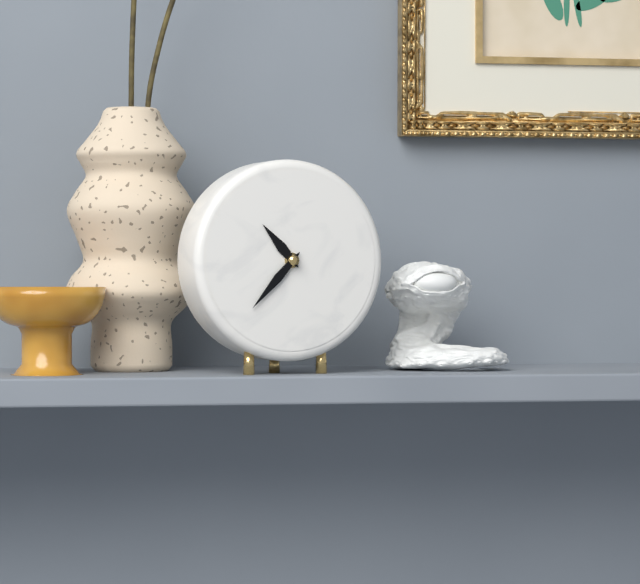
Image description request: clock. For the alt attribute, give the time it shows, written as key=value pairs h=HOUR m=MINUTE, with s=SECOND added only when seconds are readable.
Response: h=10 m=37
